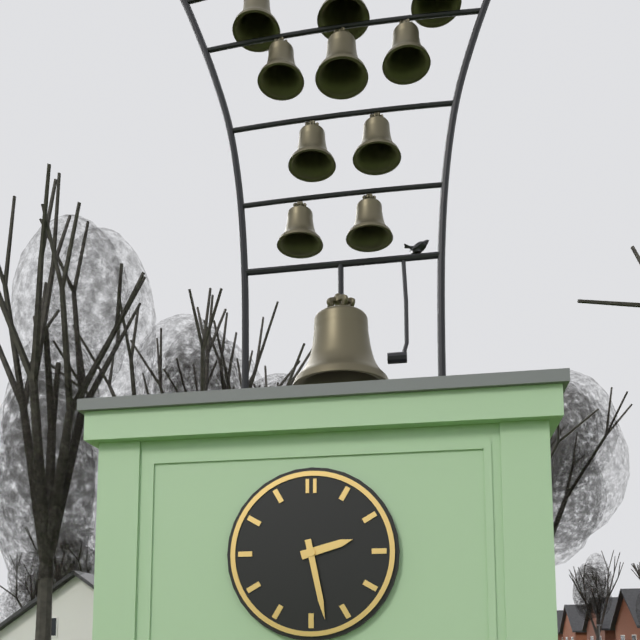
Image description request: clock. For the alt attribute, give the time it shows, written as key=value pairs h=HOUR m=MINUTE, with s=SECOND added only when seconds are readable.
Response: h=2 m=28
